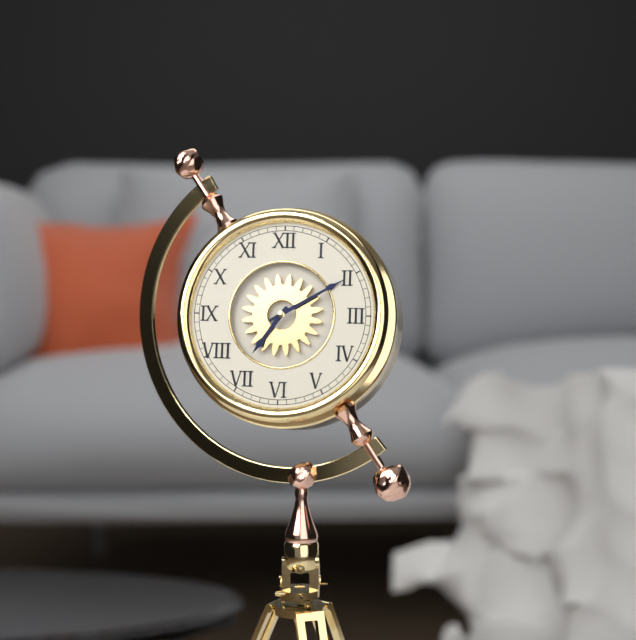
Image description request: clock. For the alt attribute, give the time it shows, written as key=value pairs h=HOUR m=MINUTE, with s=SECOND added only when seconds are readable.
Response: h=7 m=10
